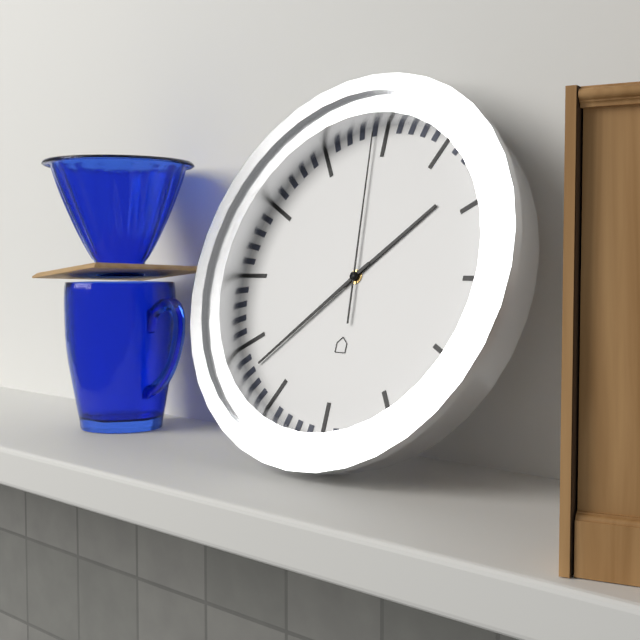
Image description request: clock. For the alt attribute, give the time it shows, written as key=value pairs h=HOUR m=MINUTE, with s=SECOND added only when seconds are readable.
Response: h=1 m=38 s=59
